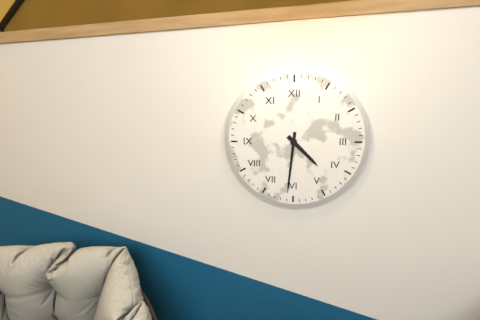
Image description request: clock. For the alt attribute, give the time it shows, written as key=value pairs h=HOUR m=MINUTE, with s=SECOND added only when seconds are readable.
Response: h=4 m=31
